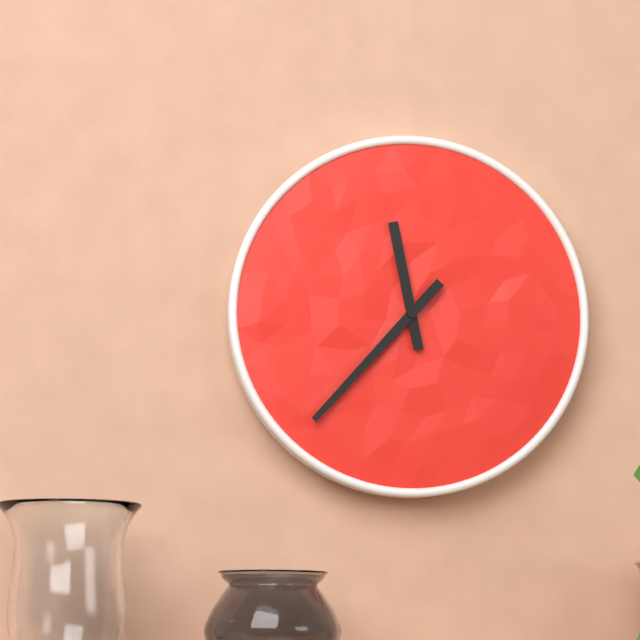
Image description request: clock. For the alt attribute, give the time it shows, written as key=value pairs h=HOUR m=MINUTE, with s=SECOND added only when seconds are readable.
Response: h=11 m=37
